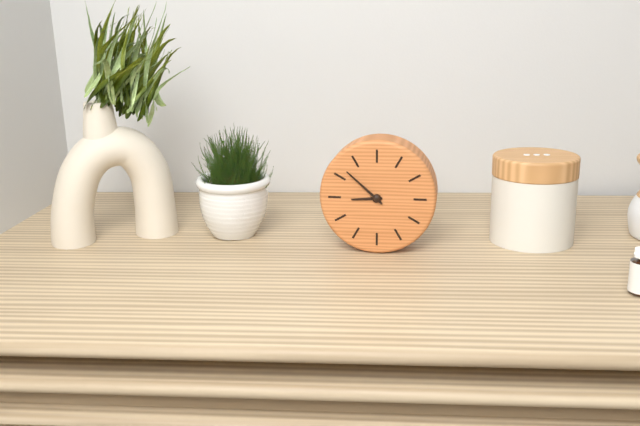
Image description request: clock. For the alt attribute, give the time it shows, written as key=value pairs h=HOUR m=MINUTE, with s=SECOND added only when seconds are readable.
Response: h=8 m=52
